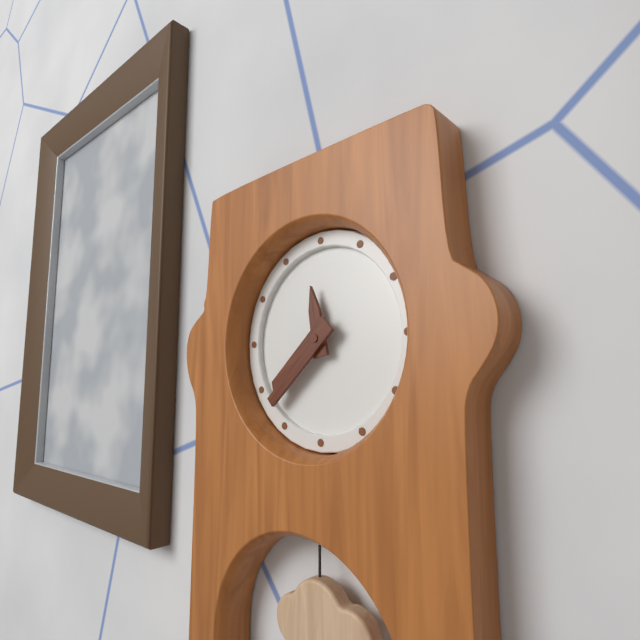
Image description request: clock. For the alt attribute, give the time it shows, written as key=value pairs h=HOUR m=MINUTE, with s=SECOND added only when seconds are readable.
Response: h=11 m=38
